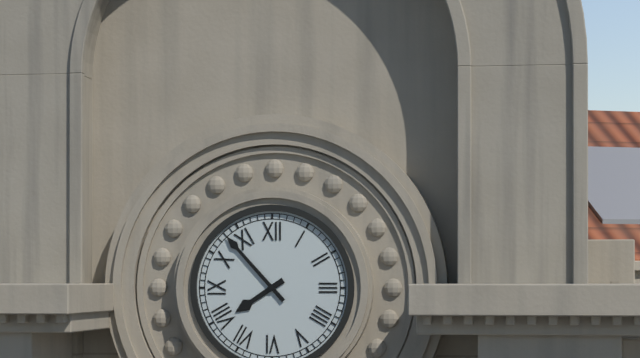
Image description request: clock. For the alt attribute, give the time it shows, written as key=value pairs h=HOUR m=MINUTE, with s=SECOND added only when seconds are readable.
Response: h=7 m=53
